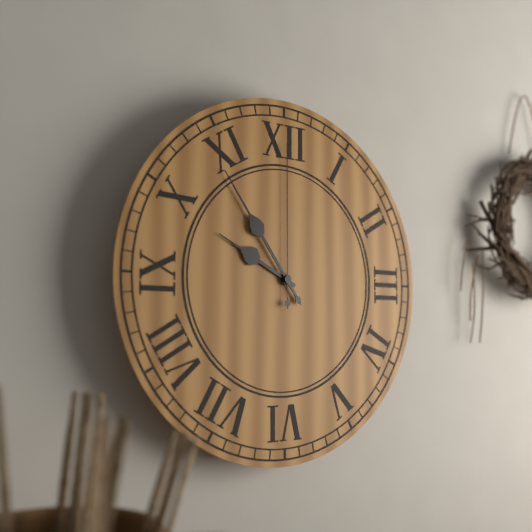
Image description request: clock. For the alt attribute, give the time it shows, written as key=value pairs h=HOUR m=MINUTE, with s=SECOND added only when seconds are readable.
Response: h=9 m=54 s=0
